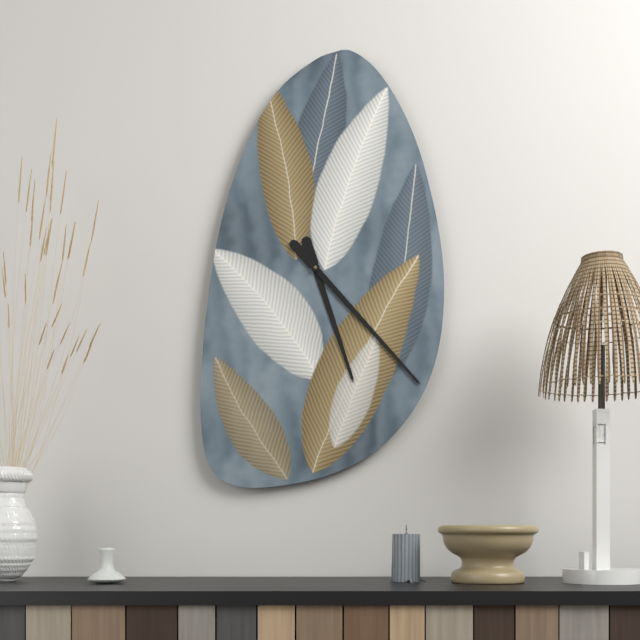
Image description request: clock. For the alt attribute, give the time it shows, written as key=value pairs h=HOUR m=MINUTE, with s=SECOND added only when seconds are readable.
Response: h=5 m=23
